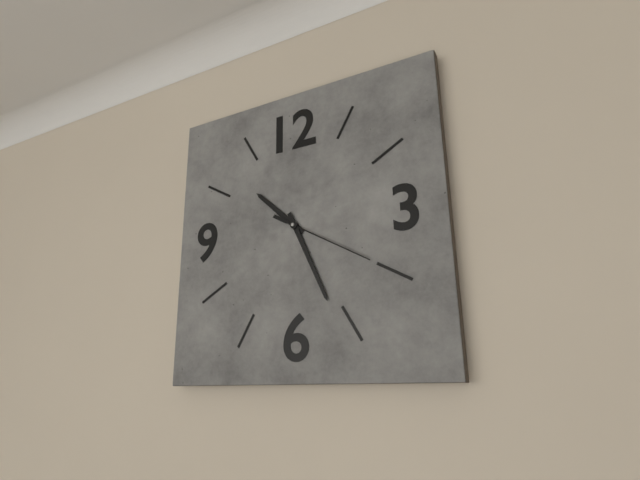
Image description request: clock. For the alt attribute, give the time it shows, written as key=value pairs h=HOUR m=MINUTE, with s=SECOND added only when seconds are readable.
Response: h=10 m=26 s=20
